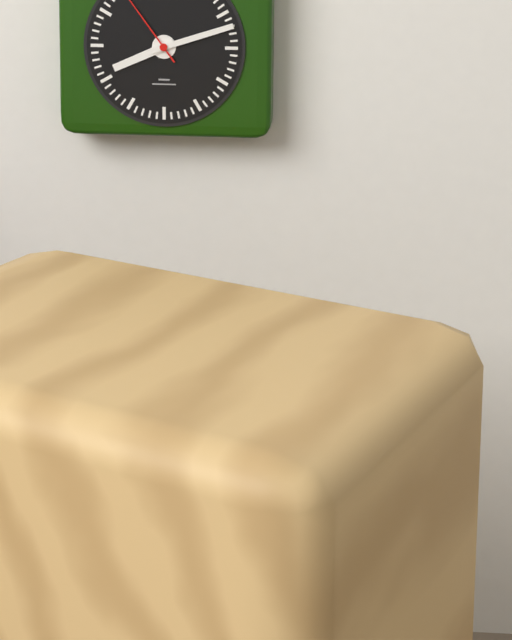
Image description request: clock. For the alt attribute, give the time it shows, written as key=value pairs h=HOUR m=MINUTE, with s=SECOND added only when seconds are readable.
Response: h=8 m=12
